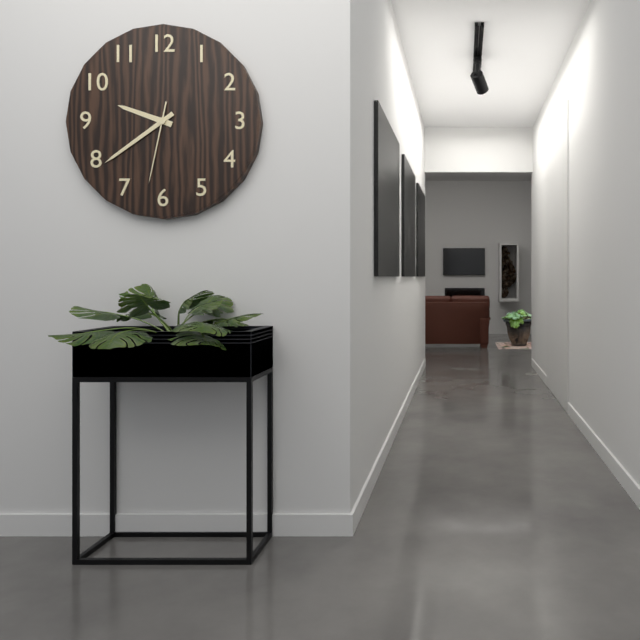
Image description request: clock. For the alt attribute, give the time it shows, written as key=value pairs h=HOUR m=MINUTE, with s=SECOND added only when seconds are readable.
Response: h=9 m=39 s=32
